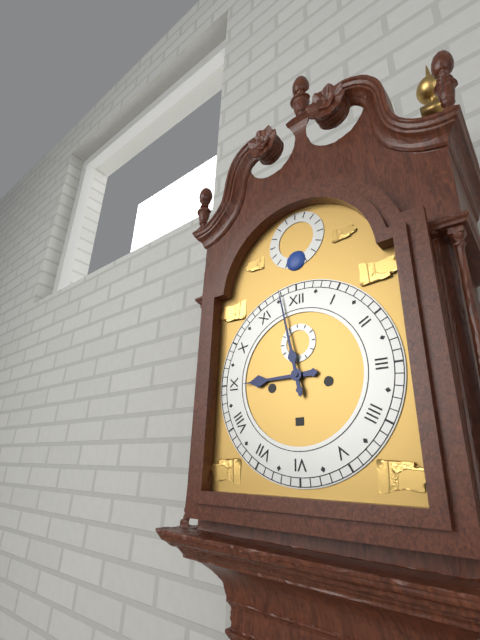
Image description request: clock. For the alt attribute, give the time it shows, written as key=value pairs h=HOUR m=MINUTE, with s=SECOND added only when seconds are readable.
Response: h=8 m=58
